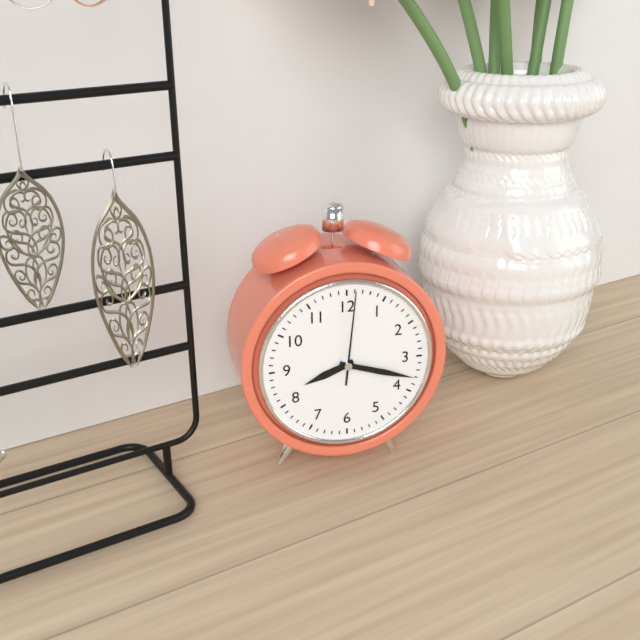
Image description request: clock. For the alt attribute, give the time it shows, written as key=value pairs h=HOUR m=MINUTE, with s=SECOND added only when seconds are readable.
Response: h=8 m=18 s=1
